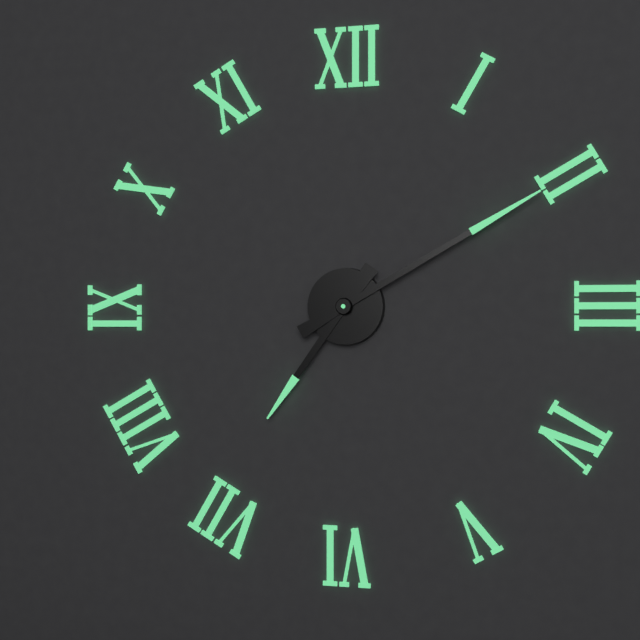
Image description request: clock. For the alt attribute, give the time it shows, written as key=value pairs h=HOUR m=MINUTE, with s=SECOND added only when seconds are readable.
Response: h=7 m=10
